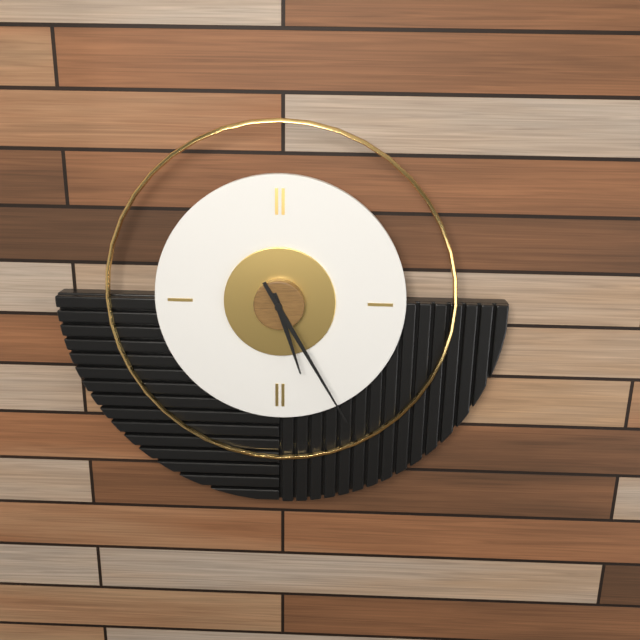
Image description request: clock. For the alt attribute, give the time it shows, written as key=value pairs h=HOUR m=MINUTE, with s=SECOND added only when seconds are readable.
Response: h=5 m=25
